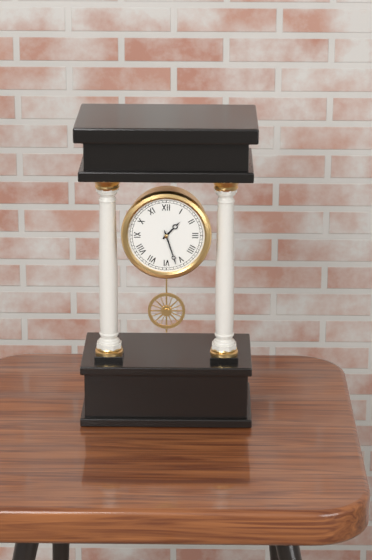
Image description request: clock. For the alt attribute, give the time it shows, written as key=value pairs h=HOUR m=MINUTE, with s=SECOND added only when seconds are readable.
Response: h=1 m=27
